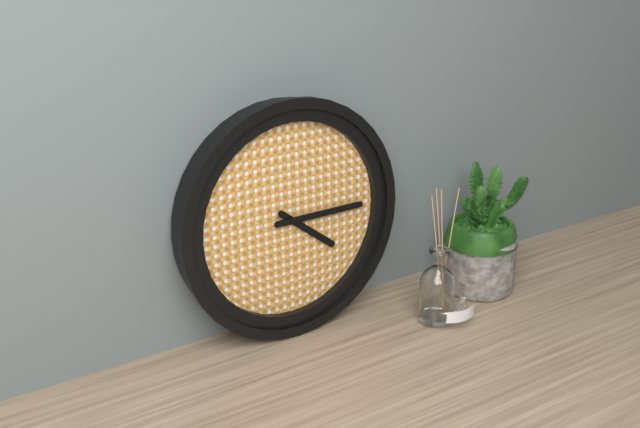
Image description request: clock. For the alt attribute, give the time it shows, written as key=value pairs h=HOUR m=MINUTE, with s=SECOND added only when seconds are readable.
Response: h=4 m=15
